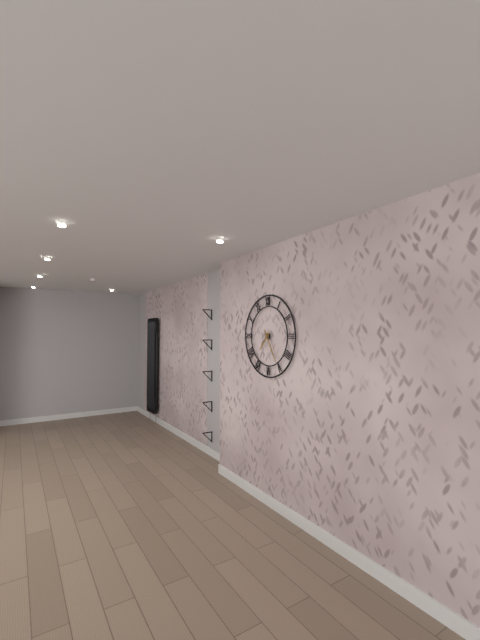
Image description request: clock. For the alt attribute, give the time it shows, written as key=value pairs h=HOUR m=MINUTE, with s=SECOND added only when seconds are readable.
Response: h=7 m=25
